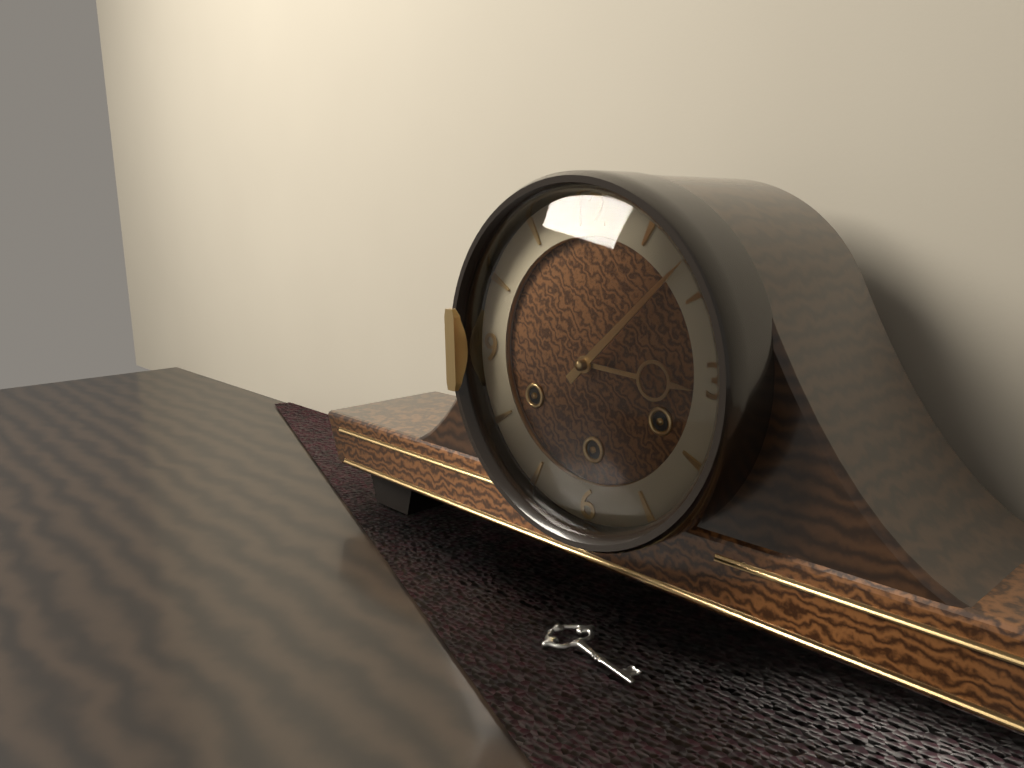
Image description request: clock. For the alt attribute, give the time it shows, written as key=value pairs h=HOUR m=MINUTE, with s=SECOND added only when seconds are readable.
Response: h=3 m=8
